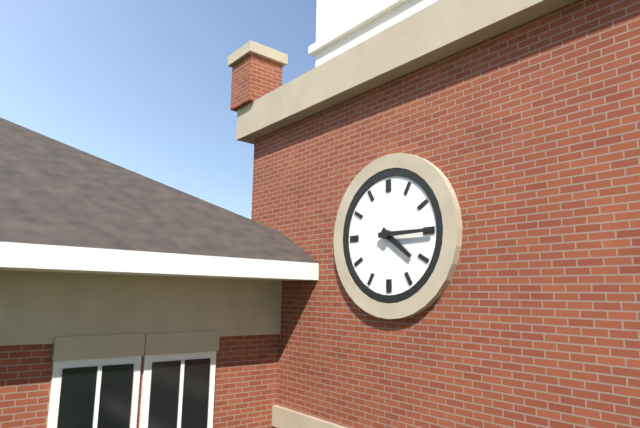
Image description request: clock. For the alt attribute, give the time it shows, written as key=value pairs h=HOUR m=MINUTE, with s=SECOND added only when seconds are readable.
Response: h=4 m=15
